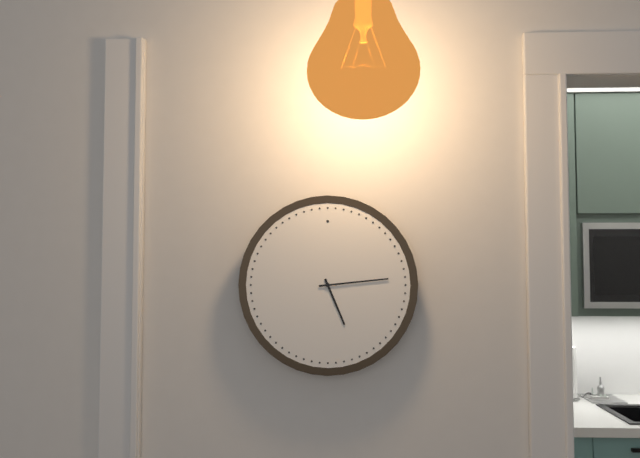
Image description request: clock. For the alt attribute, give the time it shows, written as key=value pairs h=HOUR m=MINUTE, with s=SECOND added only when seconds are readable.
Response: h=5 m=14
